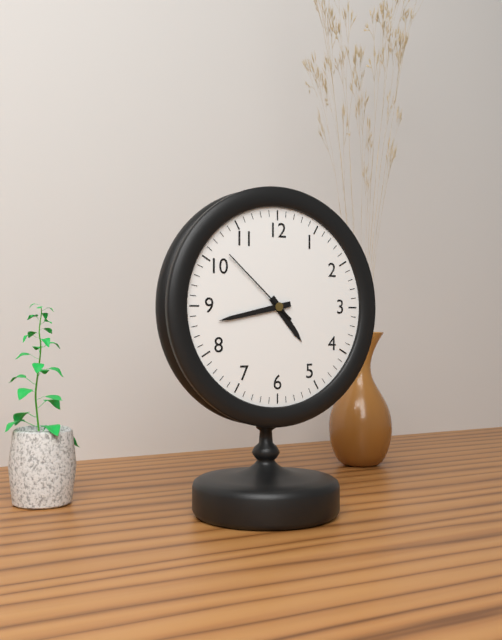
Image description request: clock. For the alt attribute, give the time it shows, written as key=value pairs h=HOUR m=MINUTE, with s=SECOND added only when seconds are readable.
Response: h=4 m=43 s=52
